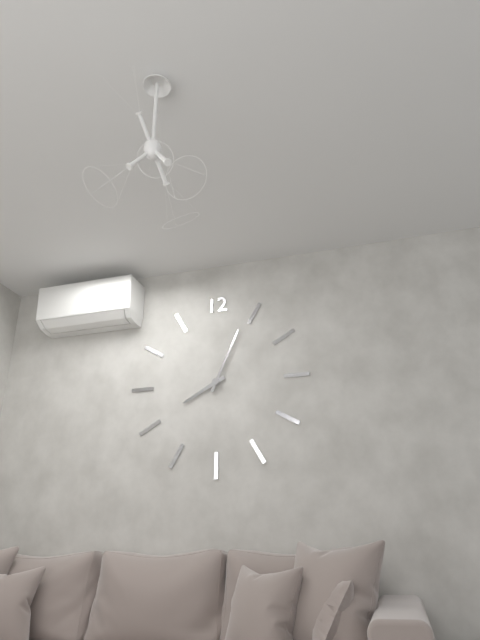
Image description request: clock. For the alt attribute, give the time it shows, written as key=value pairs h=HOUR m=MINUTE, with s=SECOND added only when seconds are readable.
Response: h=8 m=4
